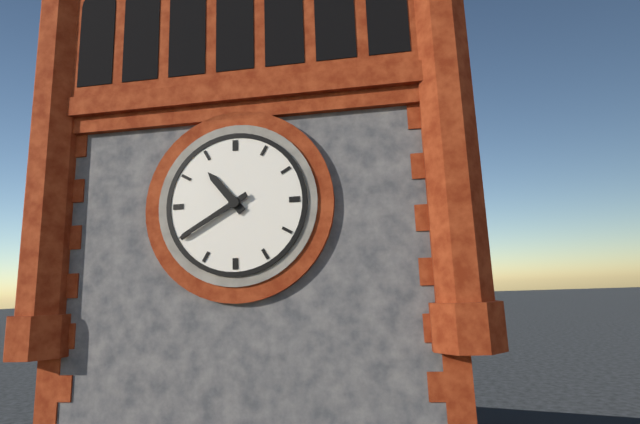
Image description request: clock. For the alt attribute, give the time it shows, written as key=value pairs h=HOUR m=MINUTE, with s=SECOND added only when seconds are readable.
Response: h=10 m=40
